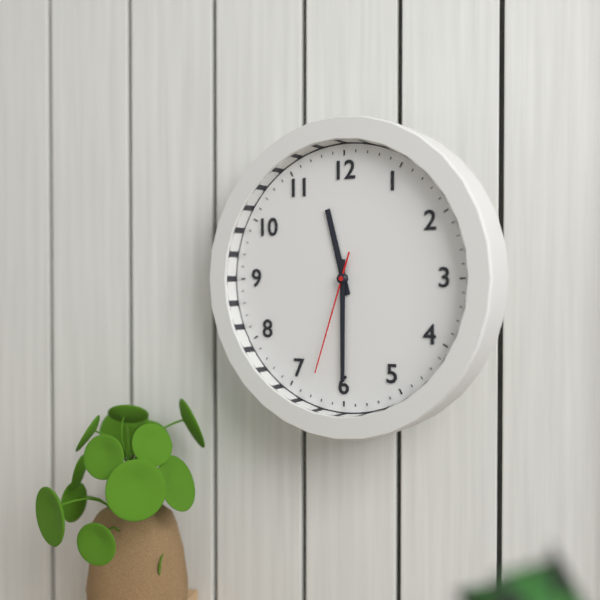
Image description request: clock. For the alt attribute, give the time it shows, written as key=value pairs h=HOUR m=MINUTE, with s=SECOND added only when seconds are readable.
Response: h=11 m=30 s=33
